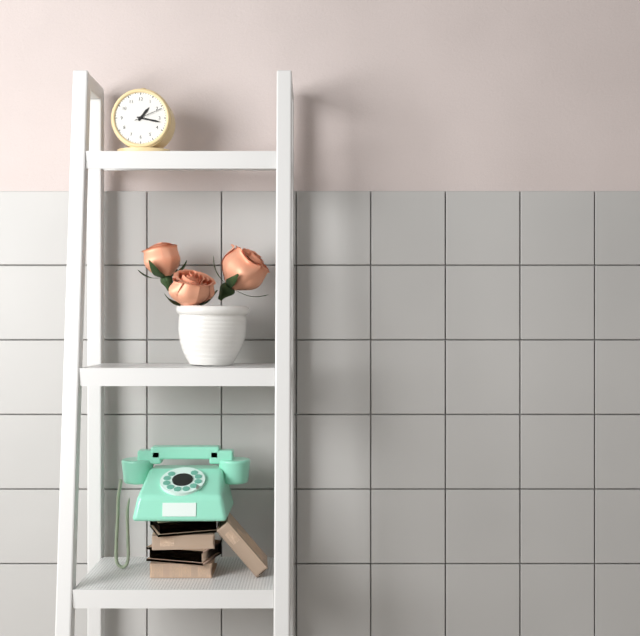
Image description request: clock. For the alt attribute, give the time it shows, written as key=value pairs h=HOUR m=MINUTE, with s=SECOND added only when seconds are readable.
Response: h=1 m=17
